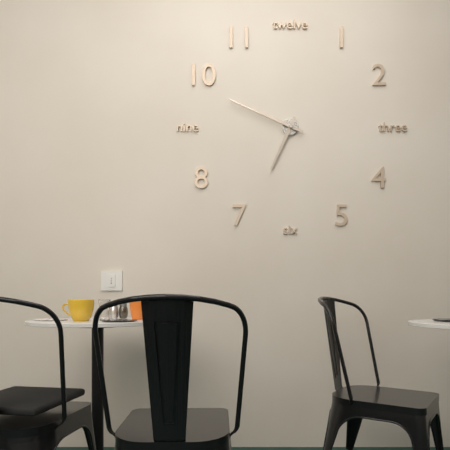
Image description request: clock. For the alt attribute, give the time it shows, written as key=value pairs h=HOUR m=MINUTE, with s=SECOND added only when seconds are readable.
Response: h=6 m=49
